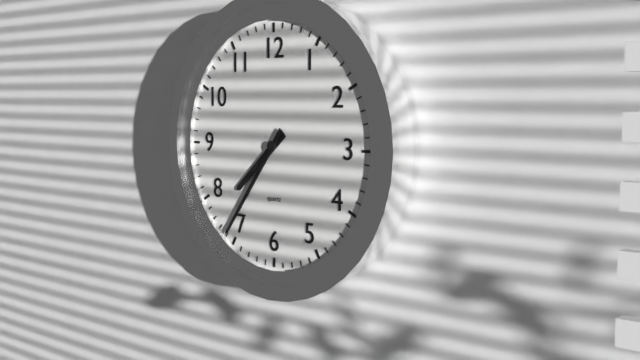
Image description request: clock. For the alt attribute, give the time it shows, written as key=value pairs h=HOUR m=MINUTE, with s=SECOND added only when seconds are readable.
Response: h=7 m=36
